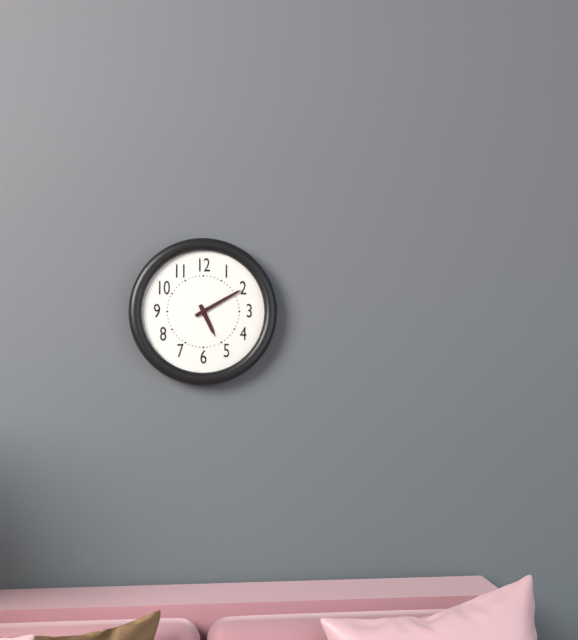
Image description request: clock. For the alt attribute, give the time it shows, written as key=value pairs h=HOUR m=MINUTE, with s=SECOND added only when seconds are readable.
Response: h=5 m=10
